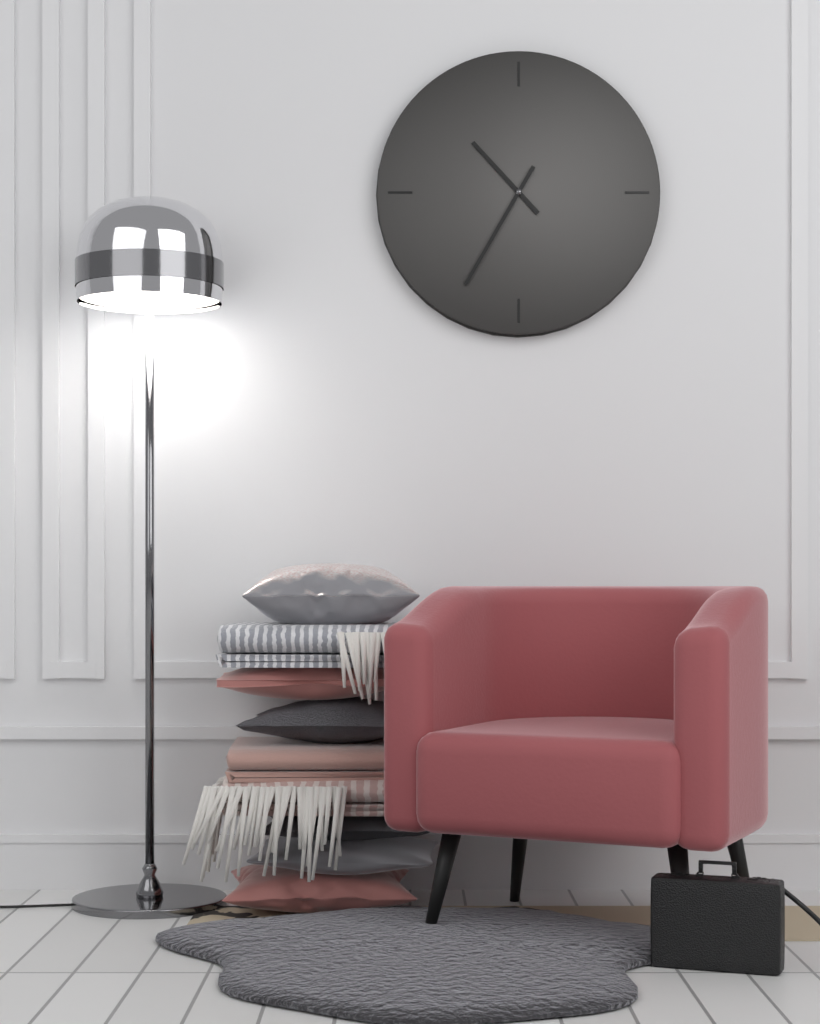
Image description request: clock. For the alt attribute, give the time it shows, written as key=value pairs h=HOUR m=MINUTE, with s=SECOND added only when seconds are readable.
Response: h=10 m=35
